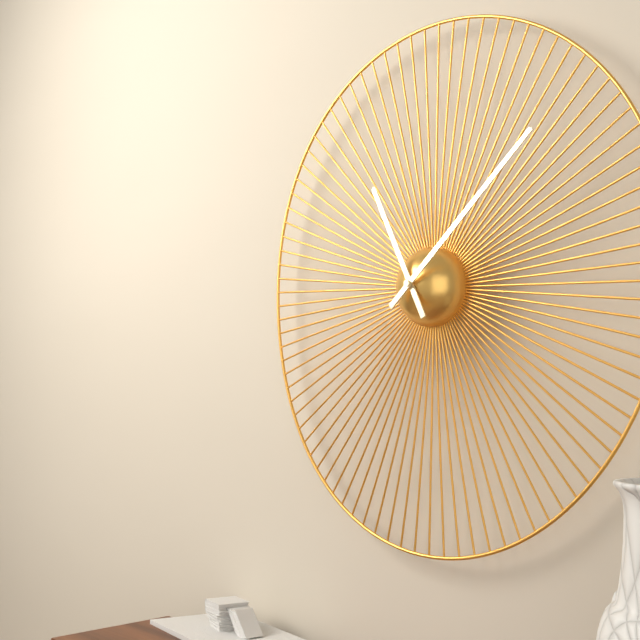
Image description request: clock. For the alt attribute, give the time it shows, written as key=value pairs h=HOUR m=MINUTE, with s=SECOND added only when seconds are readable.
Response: h=11 m=8
